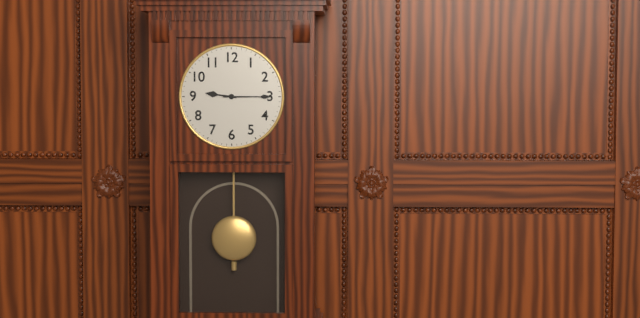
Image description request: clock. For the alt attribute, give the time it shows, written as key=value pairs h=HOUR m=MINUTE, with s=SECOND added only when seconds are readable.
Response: h=9 m=15
